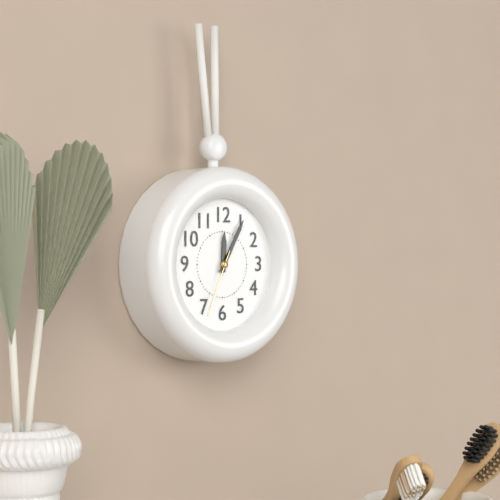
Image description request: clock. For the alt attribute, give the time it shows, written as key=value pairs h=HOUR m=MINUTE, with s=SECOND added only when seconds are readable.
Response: h=12 m=5 s=34
